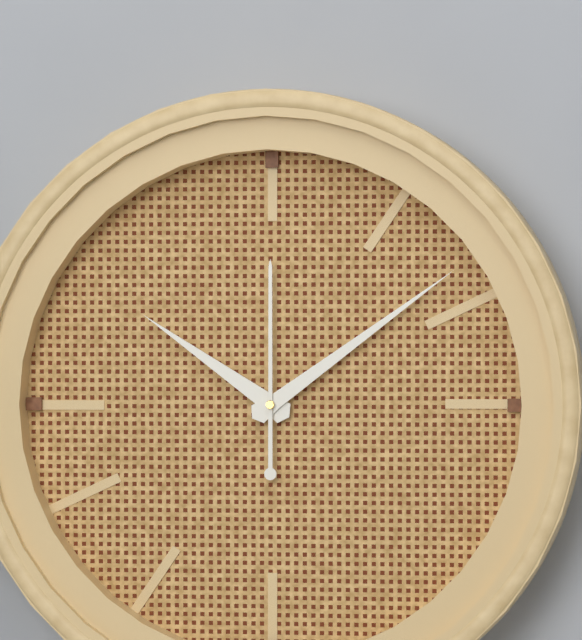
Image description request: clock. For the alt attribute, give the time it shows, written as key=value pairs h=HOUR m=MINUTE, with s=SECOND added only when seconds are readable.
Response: h=10 m=9 s=0
